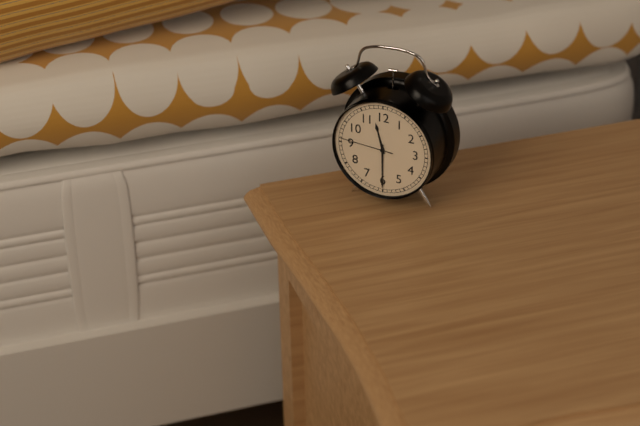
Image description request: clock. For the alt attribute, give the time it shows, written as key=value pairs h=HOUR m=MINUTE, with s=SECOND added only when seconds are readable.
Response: h=11 m=30 s=46
